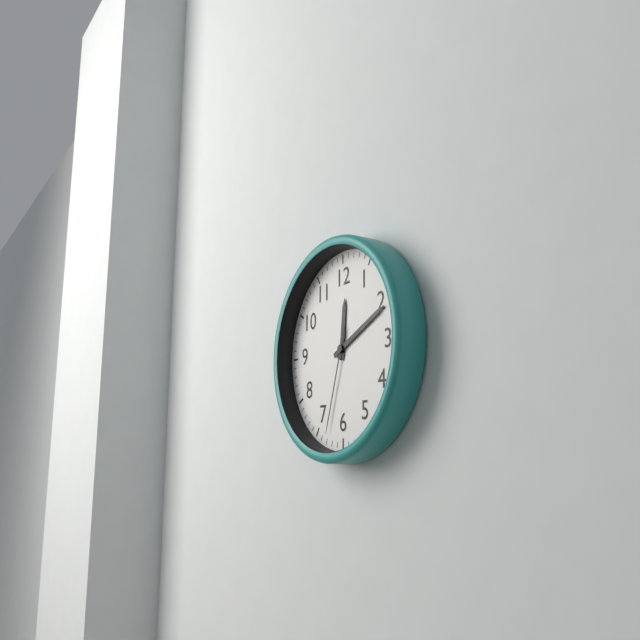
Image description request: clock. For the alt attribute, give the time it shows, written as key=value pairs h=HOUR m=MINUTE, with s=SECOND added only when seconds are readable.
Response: h=12 m=11 s=33
